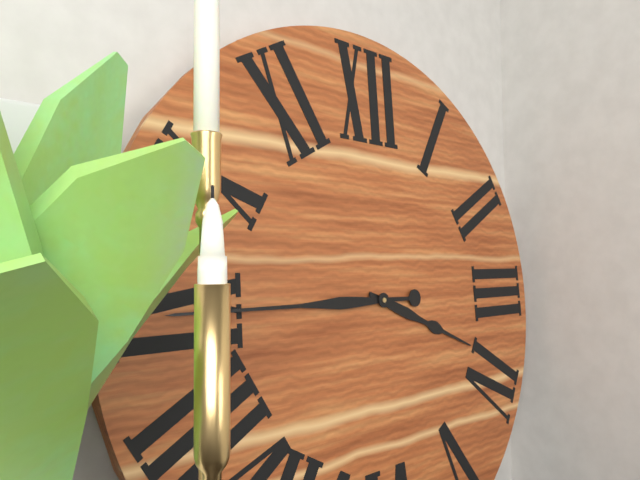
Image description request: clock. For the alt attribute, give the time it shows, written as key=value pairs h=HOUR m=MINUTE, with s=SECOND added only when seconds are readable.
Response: h=3 m=45
